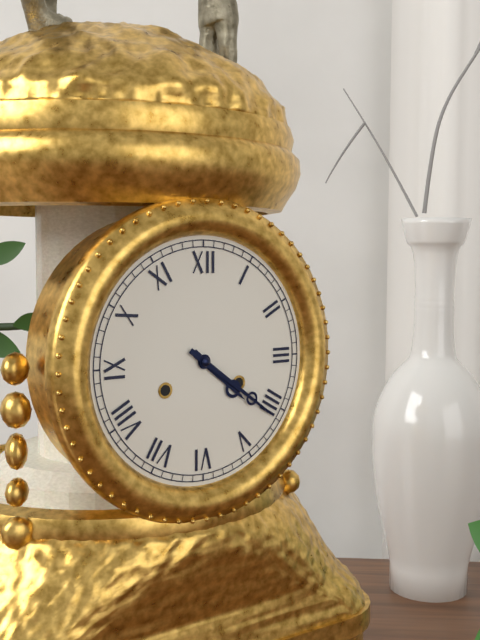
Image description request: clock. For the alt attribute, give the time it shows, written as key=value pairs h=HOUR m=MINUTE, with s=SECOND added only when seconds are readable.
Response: h=4 m=21
